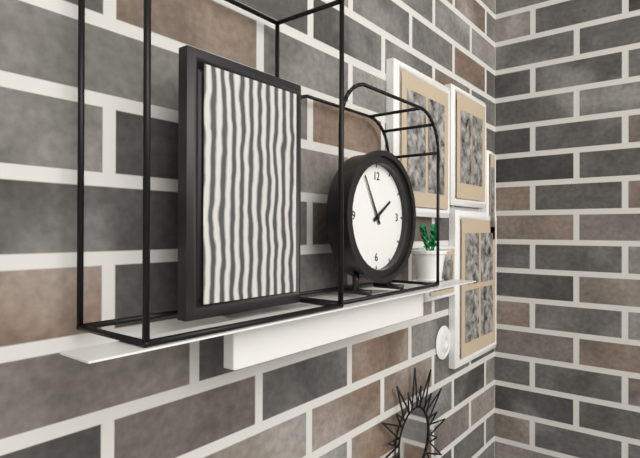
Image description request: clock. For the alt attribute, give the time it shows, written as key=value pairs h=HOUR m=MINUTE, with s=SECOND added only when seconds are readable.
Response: h=1 m=55
